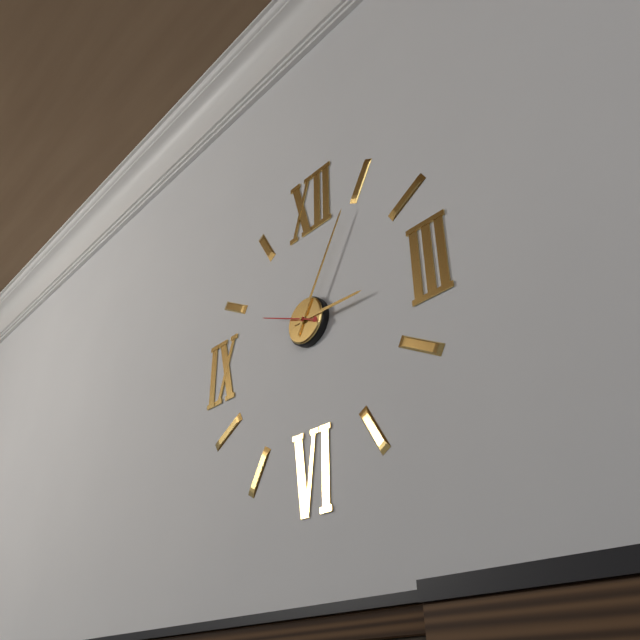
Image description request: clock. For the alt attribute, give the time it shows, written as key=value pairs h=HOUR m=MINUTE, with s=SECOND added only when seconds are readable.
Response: h=3 m=5 s=49
